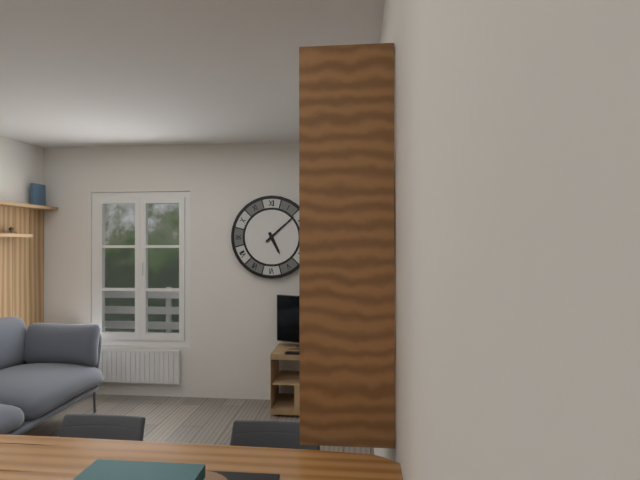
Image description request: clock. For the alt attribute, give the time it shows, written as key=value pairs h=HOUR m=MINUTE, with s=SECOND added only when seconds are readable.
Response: h=5 m=8
